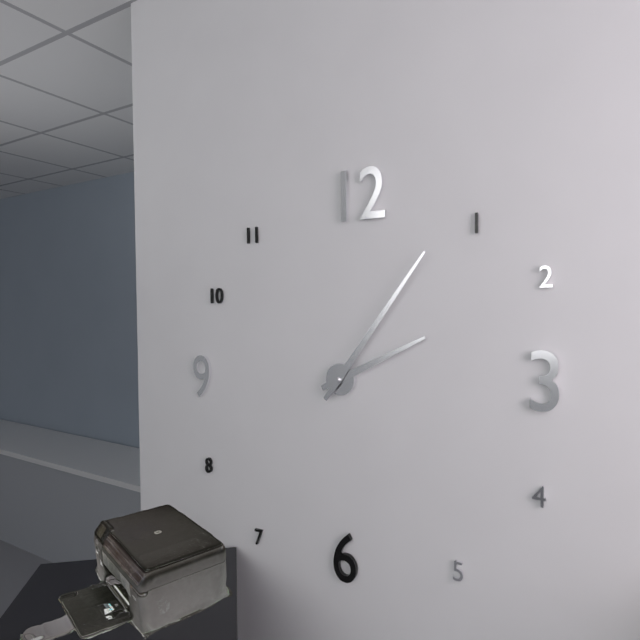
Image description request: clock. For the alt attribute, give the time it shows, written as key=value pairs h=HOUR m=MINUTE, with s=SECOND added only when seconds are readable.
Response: h=2 m=6
